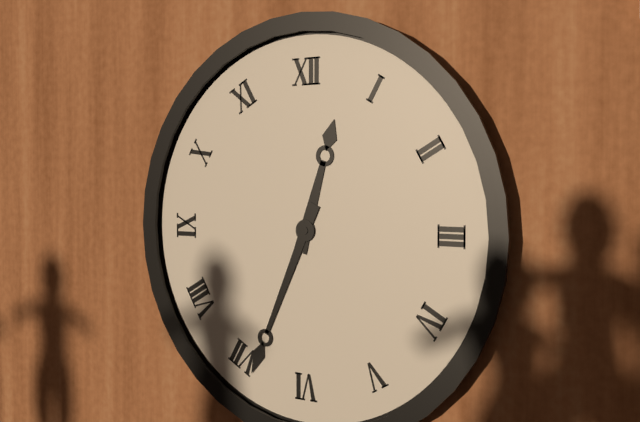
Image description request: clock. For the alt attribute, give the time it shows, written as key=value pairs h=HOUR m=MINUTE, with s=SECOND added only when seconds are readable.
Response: h=12 m=34
